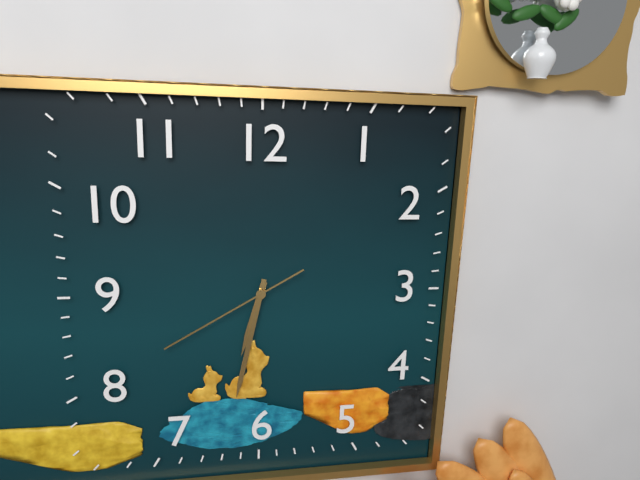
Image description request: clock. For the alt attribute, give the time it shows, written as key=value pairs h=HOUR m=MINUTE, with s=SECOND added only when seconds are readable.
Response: h=6 m=32 s=40
